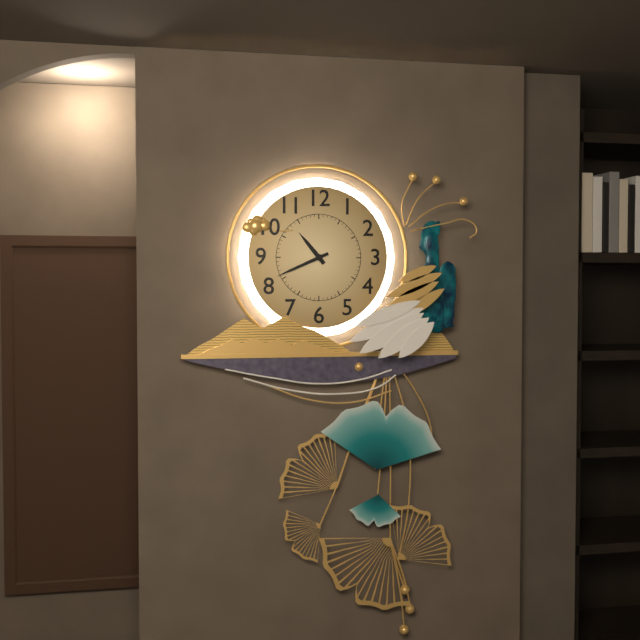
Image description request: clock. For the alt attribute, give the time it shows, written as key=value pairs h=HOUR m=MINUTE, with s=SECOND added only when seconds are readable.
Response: h=10 m=41
